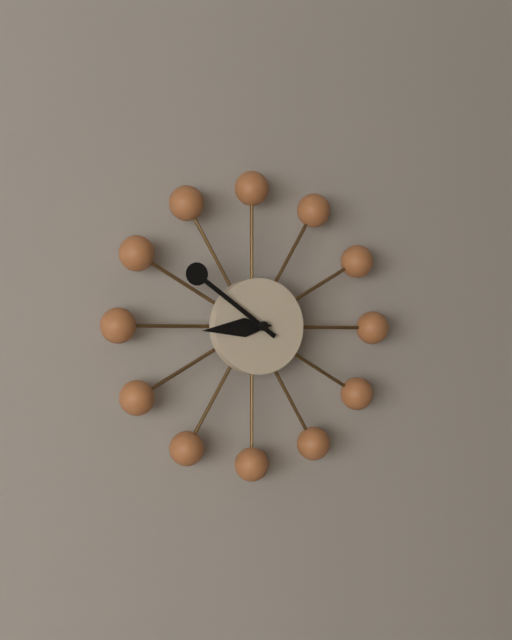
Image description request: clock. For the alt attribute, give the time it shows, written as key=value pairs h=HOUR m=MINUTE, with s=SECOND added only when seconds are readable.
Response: h=8 m=51
